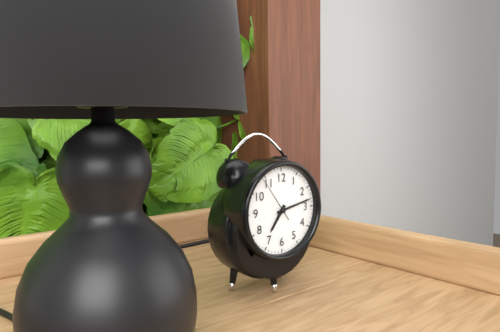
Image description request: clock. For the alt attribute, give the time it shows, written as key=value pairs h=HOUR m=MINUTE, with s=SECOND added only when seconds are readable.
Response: h=7 m=13
